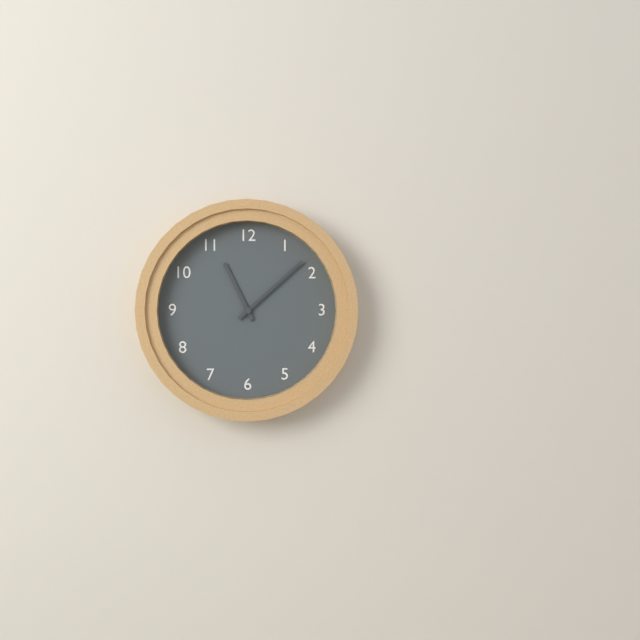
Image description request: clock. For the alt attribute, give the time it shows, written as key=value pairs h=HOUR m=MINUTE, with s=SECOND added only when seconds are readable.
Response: h=11 m=8
